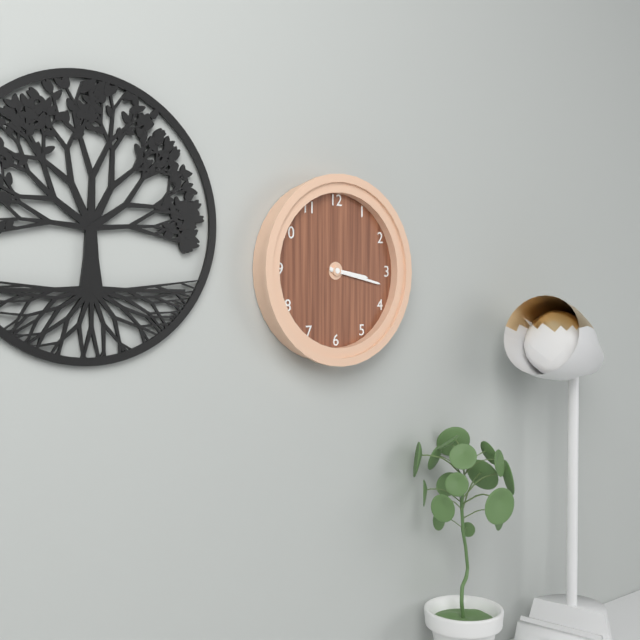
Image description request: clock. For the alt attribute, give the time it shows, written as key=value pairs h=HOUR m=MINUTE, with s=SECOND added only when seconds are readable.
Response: h=3 m=17
